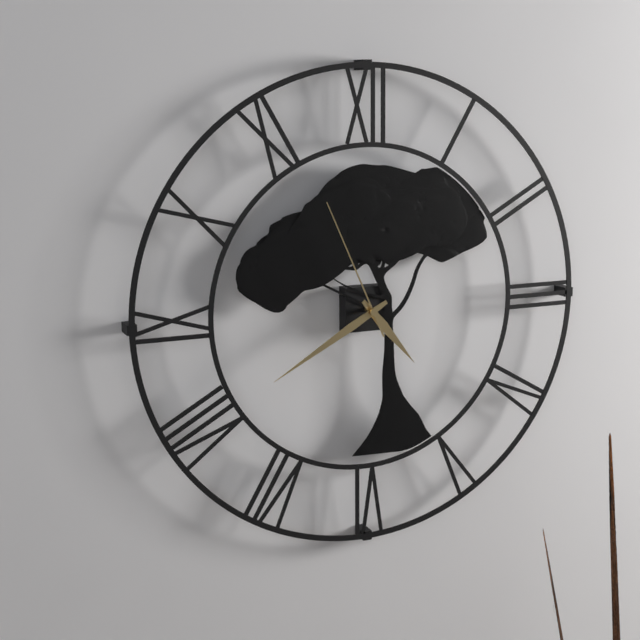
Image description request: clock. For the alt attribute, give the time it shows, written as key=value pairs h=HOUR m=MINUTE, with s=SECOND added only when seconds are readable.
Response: h=4 m=40 s=56
